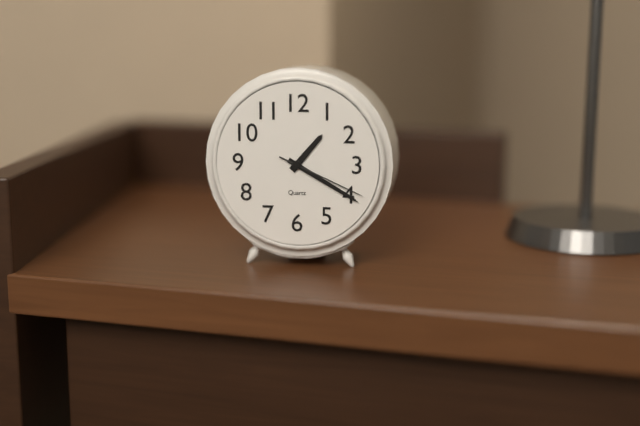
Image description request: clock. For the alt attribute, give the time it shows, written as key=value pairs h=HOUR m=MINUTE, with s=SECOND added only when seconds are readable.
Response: h=1 m=20 s=19
